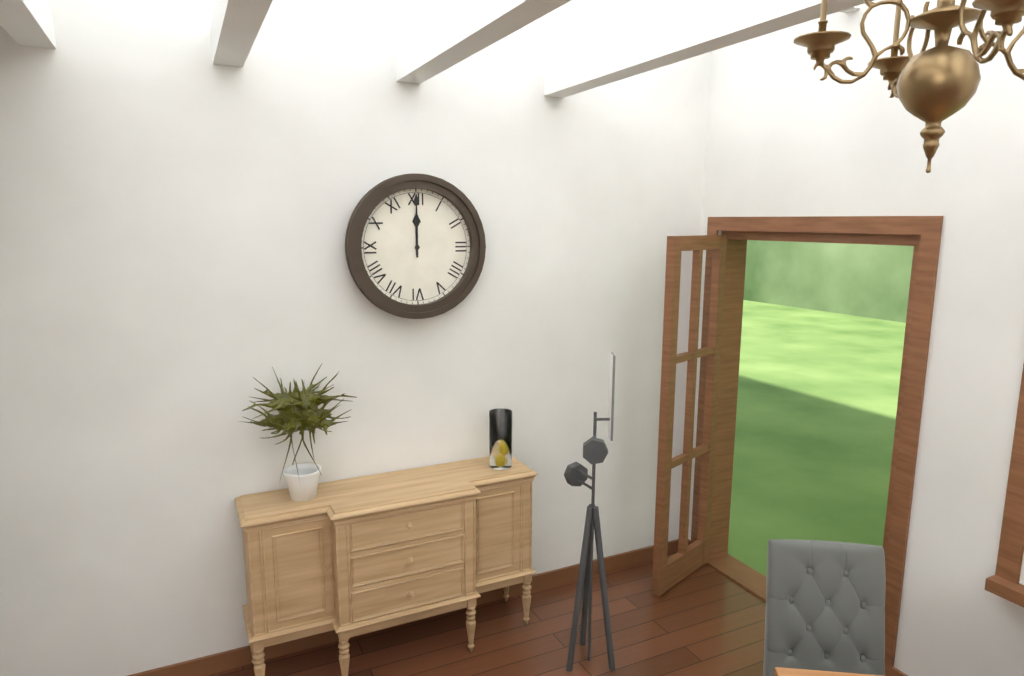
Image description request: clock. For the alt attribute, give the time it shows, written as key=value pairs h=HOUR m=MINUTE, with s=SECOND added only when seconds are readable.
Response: h=12 m=0
